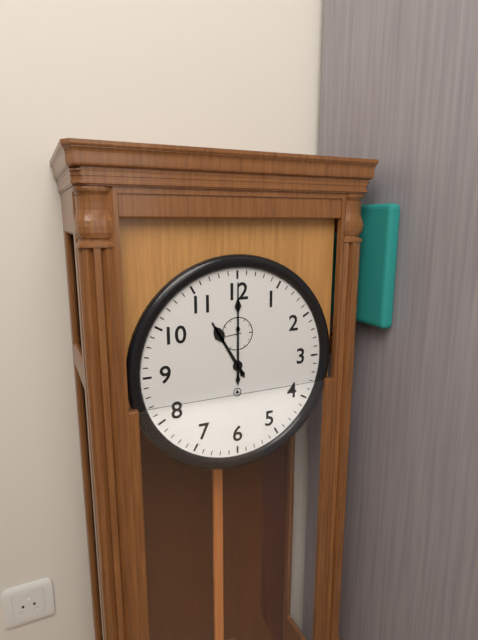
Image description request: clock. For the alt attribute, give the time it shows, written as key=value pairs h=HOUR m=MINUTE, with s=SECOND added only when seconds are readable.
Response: h=11 m=0
